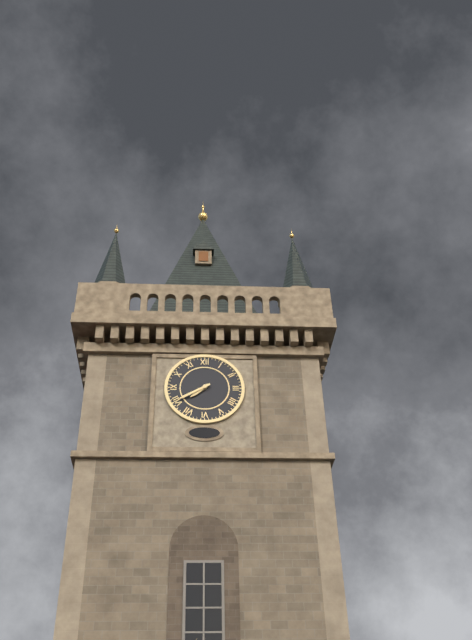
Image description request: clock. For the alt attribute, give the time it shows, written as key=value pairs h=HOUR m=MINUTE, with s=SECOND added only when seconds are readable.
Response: h=7 m=40
